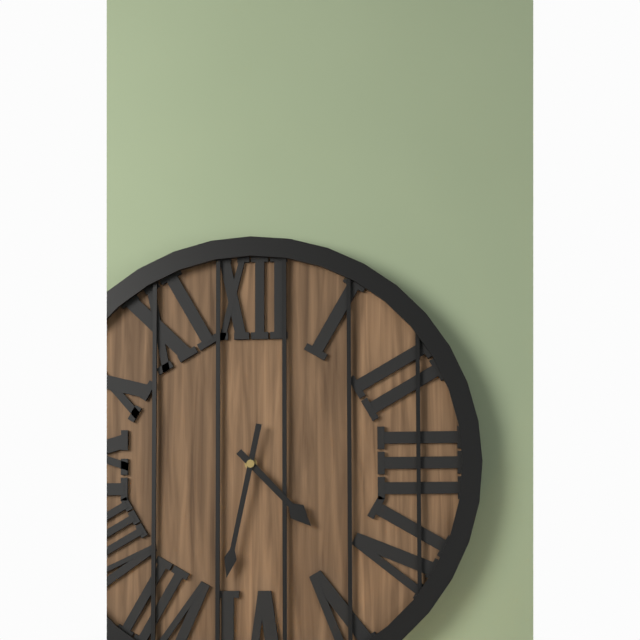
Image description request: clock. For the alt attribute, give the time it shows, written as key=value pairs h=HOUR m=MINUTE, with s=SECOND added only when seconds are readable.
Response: h=4 m=32
